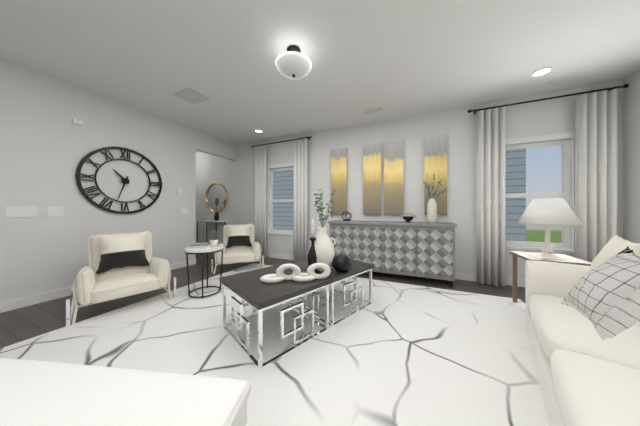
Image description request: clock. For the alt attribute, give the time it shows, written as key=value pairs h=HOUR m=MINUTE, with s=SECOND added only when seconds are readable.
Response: h=10 m=33
